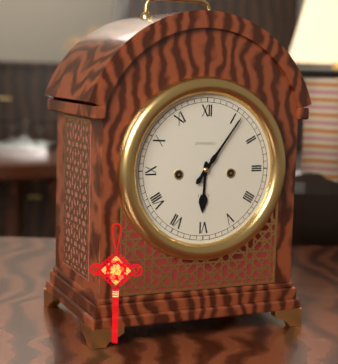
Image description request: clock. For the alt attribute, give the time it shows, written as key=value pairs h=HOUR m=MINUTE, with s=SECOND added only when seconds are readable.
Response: h=6 m=6
